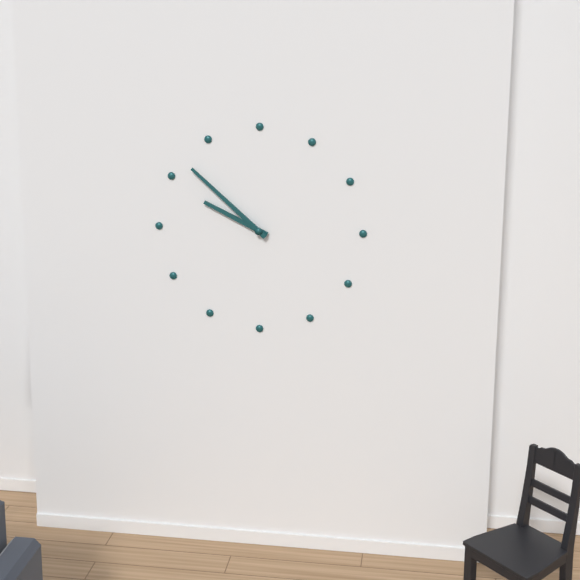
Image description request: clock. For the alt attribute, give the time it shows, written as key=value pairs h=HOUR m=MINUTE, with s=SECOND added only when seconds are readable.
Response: h=9 m=52
